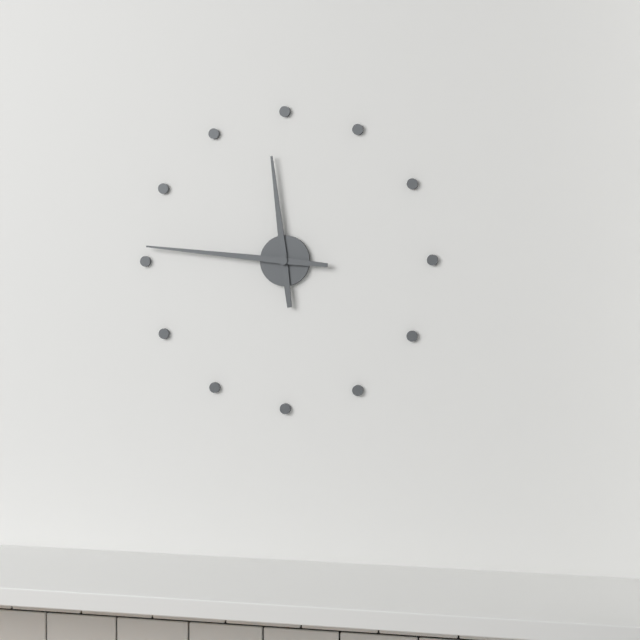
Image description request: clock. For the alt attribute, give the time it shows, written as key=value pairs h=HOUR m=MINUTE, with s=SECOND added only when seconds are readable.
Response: h=11 m=46
